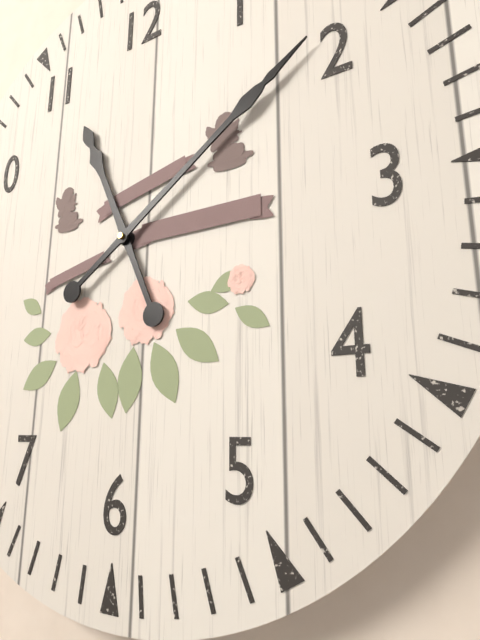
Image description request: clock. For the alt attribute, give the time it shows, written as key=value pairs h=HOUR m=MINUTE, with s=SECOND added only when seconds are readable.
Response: h=11 m=9
